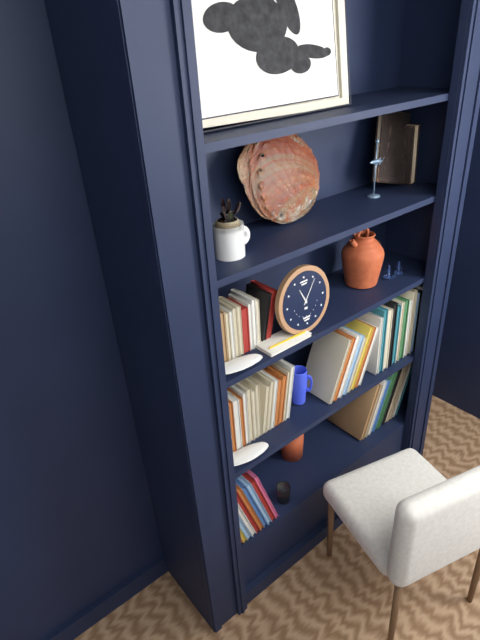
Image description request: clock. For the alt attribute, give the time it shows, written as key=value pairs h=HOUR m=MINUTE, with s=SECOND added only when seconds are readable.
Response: h=11 m=6
